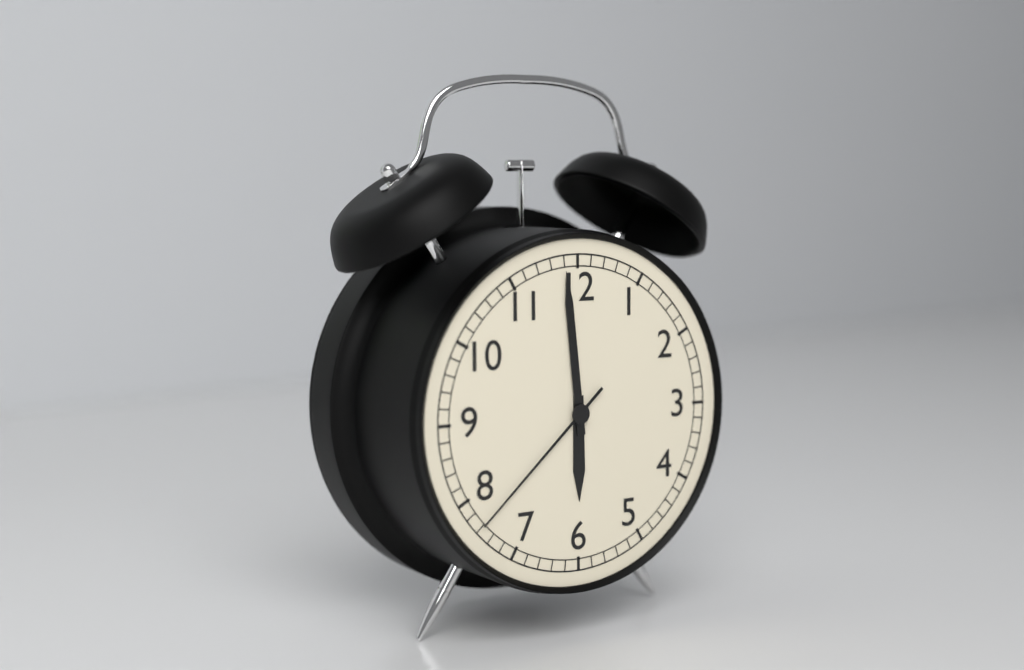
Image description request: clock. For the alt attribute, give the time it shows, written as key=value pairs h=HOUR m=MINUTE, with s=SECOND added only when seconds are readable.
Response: h=5 m=59 s=38
